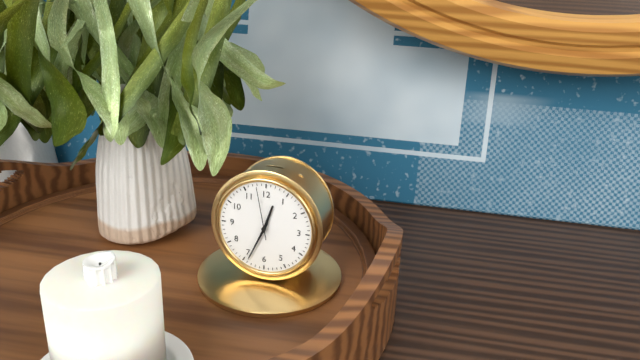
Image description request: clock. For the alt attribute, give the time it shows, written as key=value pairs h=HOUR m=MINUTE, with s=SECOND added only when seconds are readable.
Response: h=12 m=34 s=58
